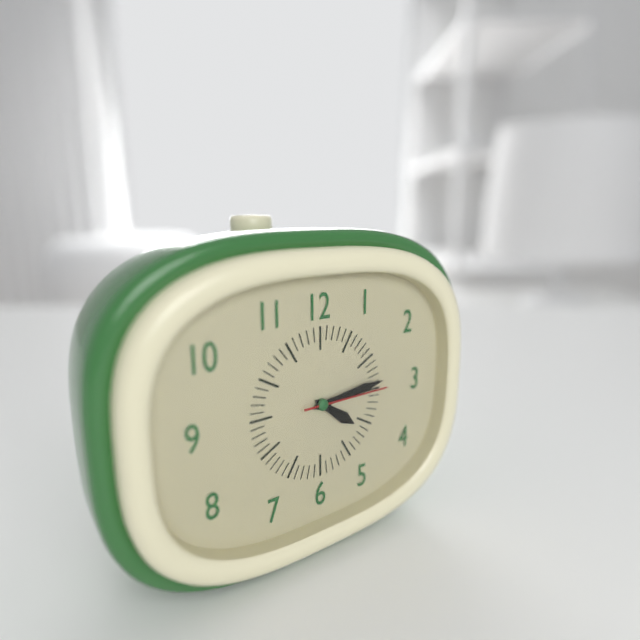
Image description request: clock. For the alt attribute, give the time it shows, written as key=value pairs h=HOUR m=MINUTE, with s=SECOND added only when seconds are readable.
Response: h=4 m=14 s=15
